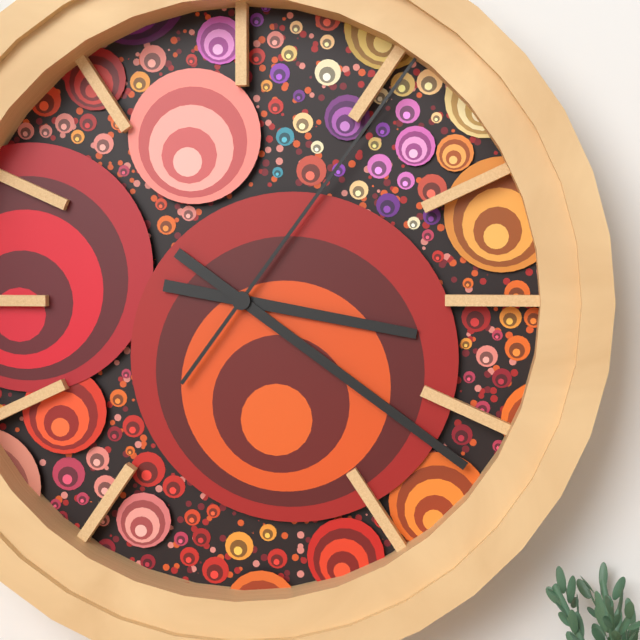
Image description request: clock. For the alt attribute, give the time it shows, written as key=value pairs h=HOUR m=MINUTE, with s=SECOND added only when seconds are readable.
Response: h=3 m=21 s=6
